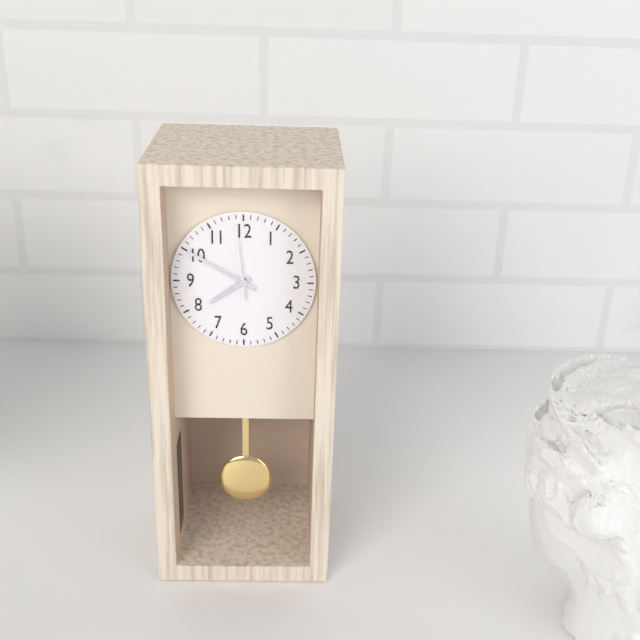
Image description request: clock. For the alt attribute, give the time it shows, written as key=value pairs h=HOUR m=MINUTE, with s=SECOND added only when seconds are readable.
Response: h=7 m=50 s=59
